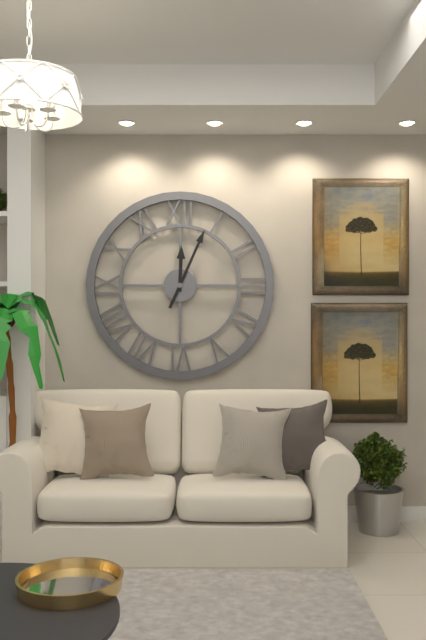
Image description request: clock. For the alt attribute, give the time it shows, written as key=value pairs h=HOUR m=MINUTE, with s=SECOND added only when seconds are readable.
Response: h=12 m=4
